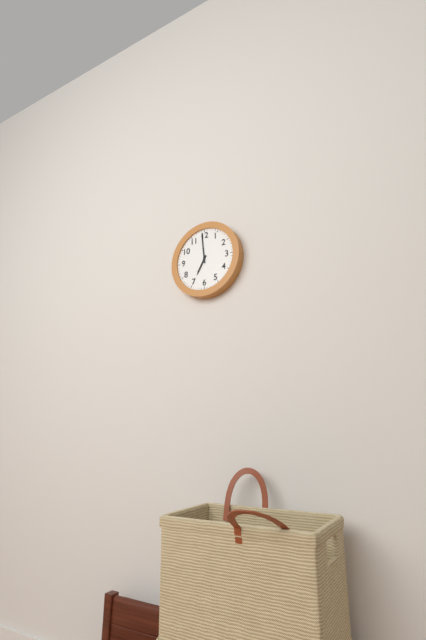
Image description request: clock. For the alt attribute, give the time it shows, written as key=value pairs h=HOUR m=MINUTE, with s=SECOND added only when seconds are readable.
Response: h=6 m=59
